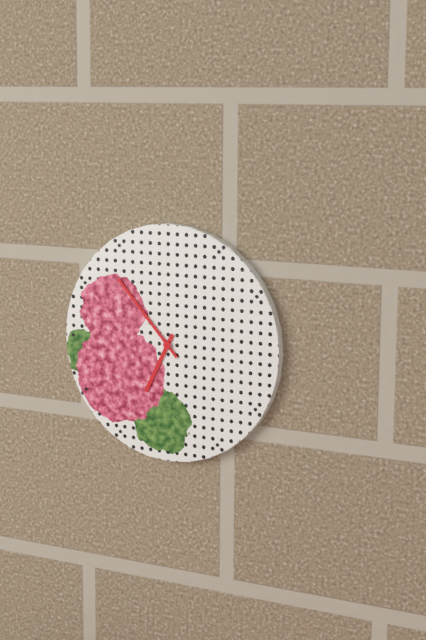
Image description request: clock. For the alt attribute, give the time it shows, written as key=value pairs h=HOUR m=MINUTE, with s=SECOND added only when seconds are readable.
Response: h=6 m=53
